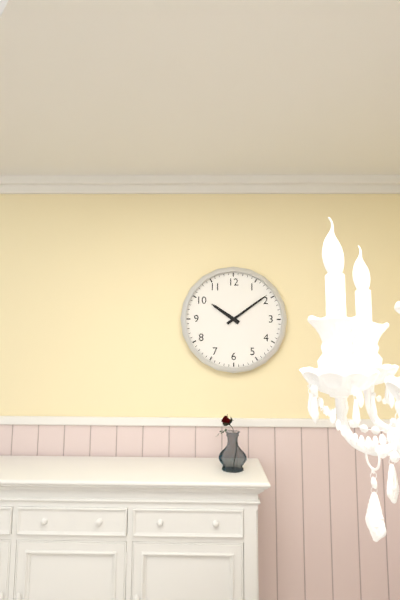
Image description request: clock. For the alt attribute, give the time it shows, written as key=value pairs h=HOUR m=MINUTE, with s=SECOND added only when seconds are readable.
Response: h=10 m=9
